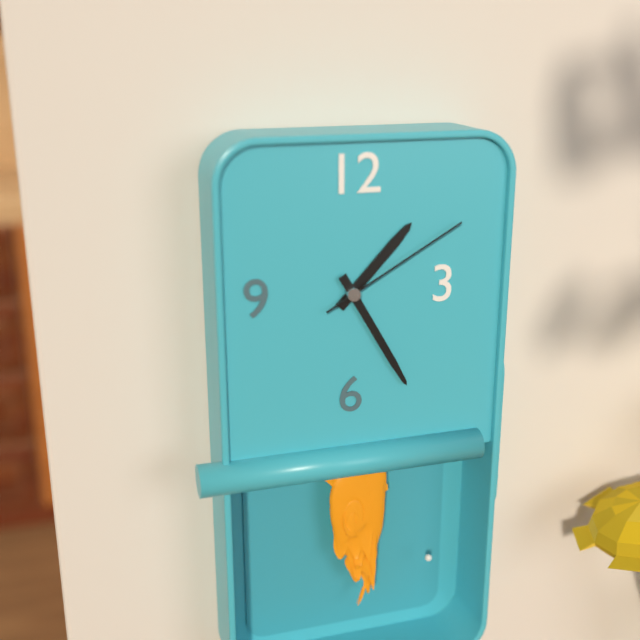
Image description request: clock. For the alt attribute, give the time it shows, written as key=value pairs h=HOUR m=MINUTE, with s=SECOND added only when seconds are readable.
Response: h=1 m=25 s=10
